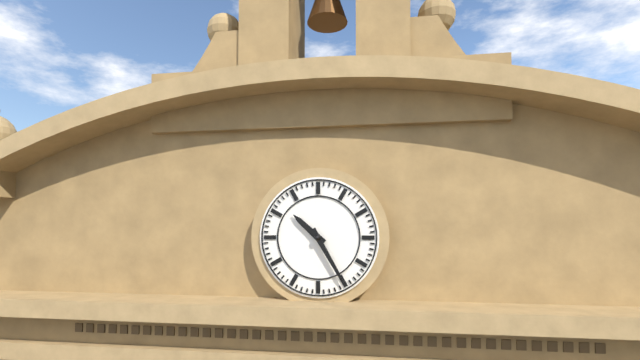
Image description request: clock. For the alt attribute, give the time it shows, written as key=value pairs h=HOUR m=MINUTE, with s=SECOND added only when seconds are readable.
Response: h=10 m=25
